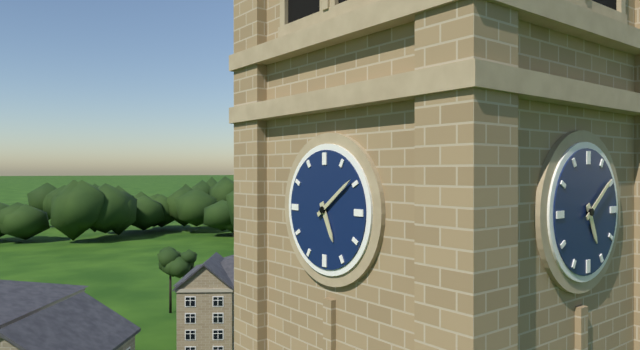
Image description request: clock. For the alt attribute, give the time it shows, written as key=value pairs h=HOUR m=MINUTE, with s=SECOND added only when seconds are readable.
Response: h=5 m=9
